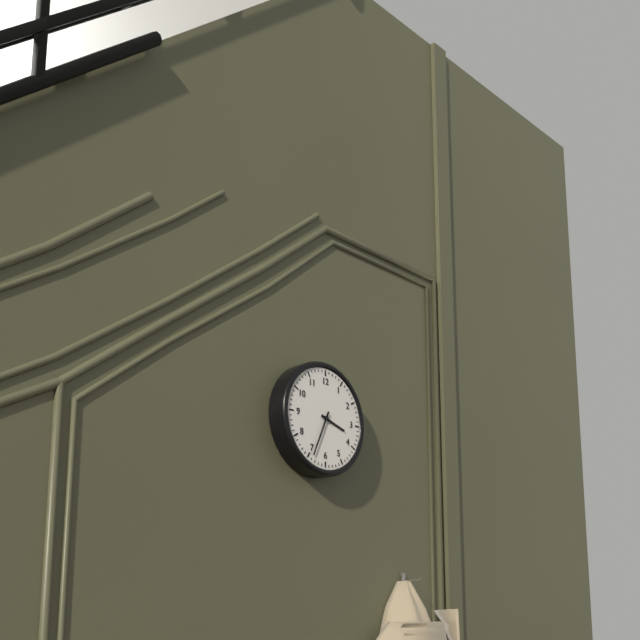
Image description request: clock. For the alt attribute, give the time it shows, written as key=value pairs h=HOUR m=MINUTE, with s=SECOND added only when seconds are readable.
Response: h=3 m=34
